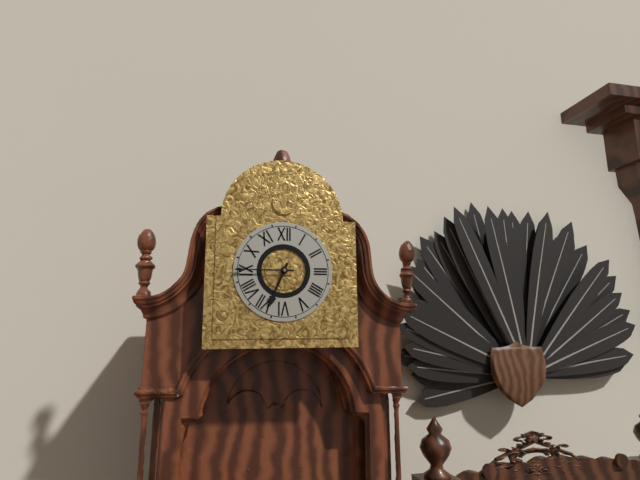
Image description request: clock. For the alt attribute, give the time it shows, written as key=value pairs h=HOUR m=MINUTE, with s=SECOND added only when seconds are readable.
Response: h=6 m=45
